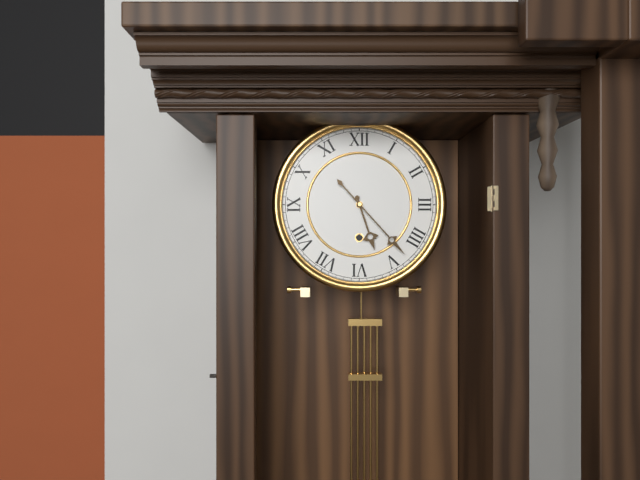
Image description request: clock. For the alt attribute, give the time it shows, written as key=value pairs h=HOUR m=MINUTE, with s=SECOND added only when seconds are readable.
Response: h=5 m=23
